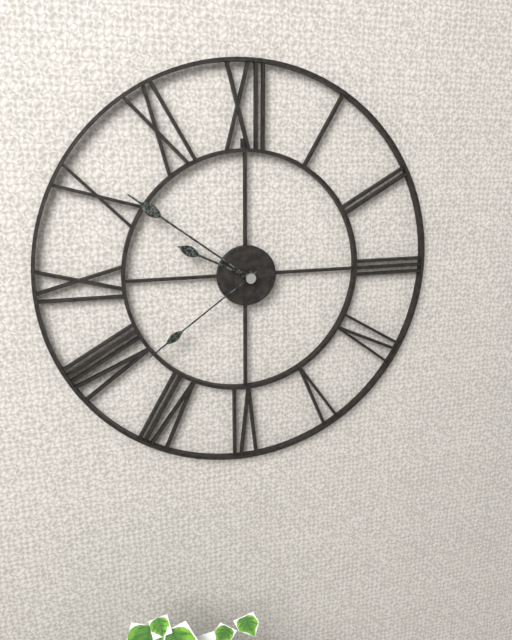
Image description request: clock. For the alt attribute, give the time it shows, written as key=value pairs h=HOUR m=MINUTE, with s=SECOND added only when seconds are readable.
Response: h=9 m=51 s=39
